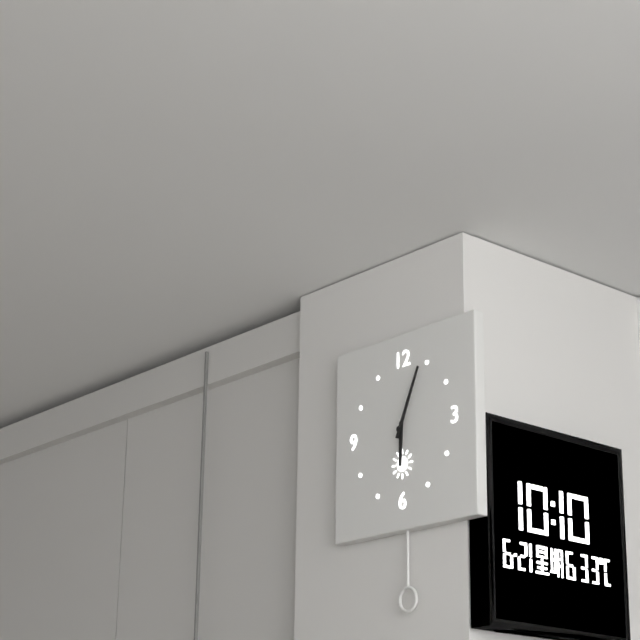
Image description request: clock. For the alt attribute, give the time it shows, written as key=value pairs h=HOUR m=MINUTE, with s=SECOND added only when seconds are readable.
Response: h=6 m=4
